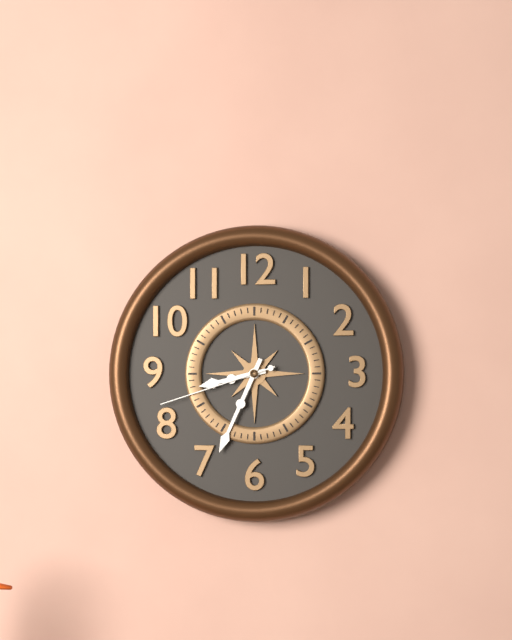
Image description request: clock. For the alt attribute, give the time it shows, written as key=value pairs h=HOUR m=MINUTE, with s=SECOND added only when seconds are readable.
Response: h=8 m=34 s=42
